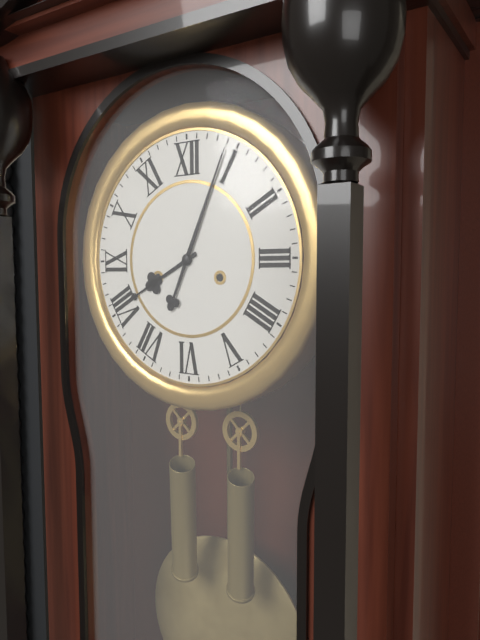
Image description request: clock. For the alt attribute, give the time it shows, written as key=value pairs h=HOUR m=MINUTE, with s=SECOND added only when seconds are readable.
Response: h=8 m=4
